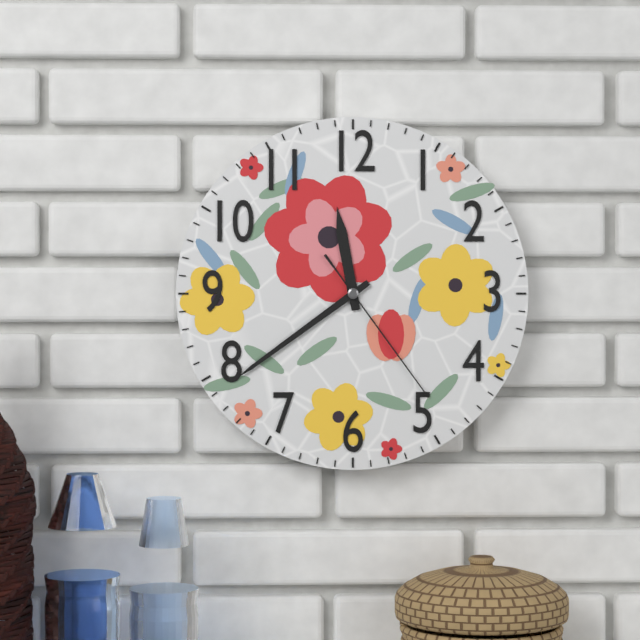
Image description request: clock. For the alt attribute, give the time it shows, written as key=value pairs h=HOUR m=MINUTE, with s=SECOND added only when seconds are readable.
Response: h=11 m=39 s=24
